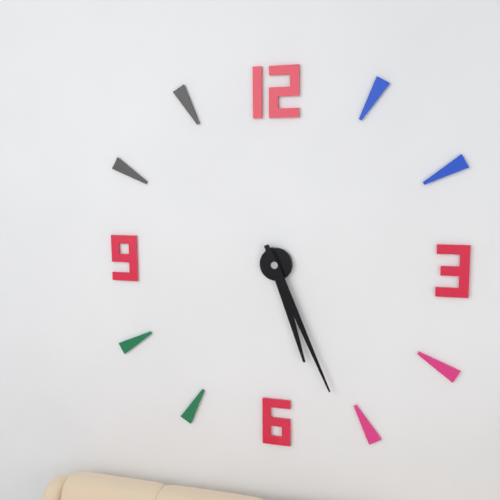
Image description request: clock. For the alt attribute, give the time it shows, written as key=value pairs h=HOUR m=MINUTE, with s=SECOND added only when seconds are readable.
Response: h=5 m=26
